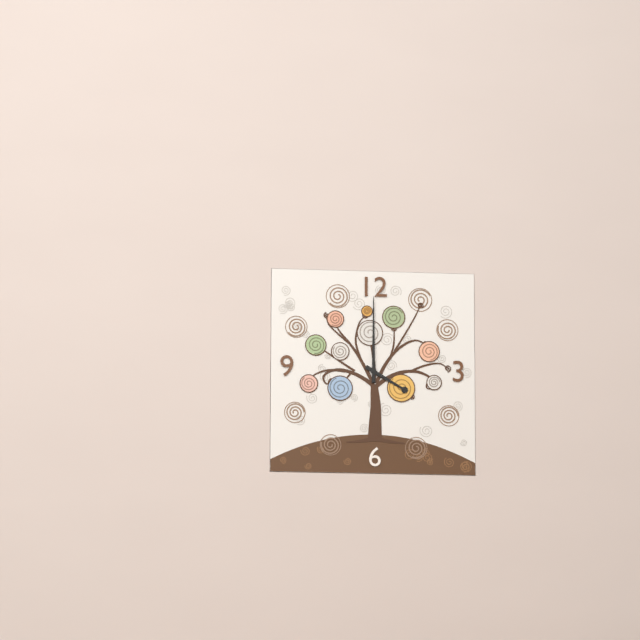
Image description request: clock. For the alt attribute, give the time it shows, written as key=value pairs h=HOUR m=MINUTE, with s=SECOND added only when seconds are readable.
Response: h=4 m=0
